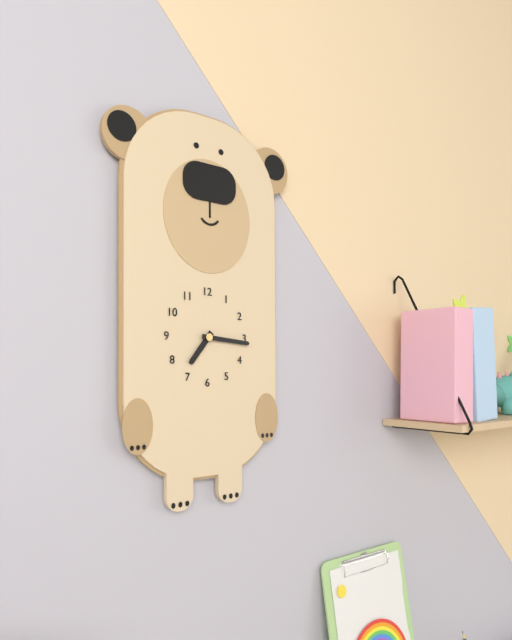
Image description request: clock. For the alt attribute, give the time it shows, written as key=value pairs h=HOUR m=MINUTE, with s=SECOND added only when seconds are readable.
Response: h=7 m=16
